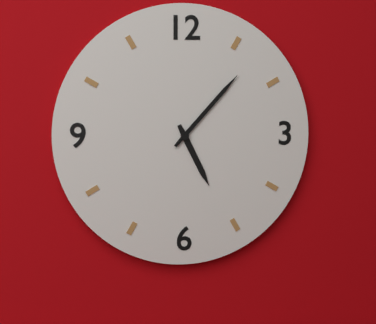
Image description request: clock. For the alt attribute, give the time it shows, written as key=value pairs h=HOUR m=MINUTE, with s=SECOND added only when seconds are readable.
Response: h=5 m=7
